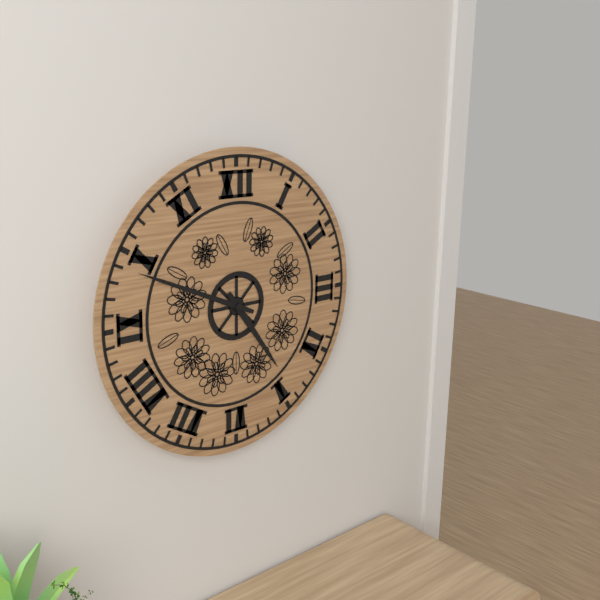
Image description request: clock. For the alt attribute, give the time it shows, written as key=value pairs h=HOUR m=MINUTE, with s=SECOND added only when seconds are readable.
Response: h=4 m=49
